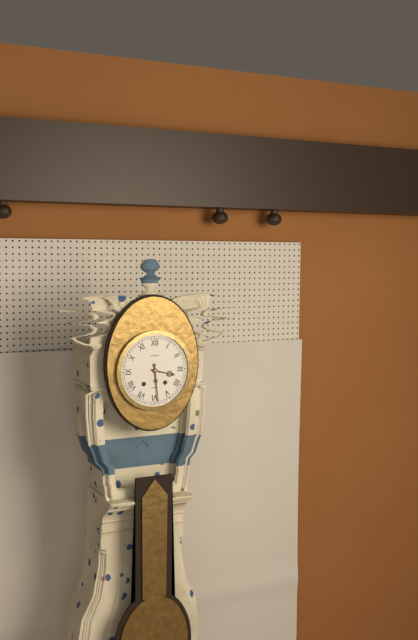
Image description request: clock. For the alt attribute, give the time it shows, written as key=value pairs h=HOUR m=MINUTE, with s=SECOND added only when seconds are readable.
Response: h=3 m=29
